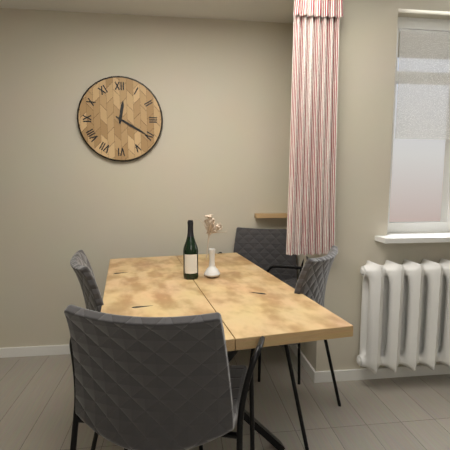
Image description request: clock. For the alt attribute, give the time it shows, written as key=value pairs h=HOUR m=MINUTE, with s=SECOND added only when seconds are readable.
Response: h=12 m=20
